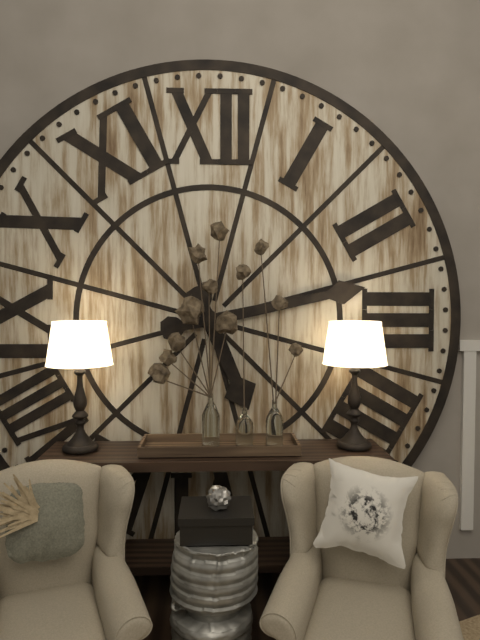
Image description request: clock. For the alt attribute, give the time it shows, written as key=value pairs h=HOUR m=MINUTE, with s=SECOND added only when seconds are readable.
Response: h=5 m=13
